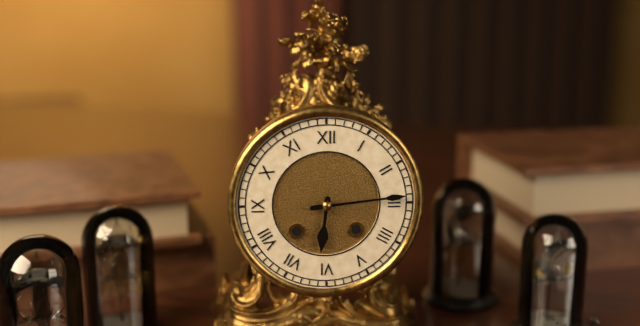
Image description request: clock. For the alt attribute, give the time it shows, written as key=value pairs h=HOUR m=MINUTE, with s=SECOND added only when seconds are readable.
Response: h=6 m=14
